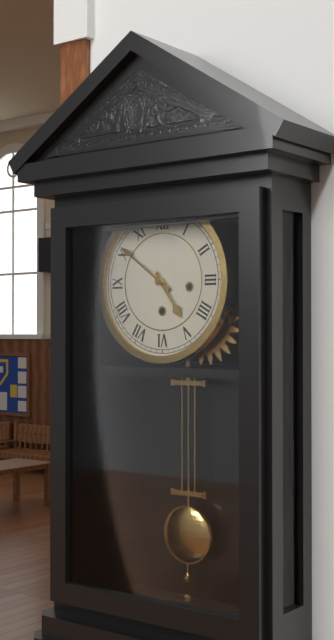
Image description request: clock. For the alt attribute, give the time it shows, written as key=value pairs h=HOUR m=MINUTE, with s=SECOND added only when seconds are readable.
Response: h=4 m=51
